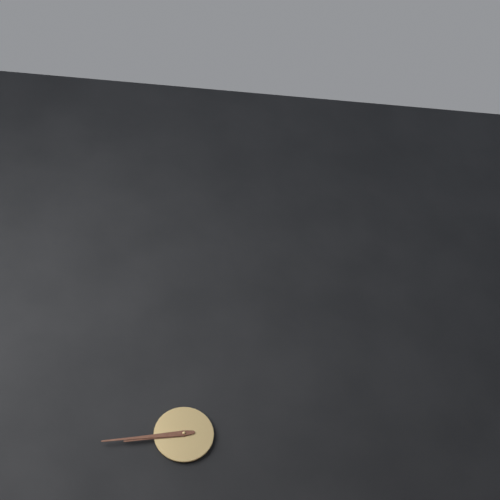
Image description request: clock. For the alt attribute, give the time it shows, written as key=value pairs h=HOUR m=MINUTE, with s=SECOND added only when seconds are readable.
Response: h=8 m=44
